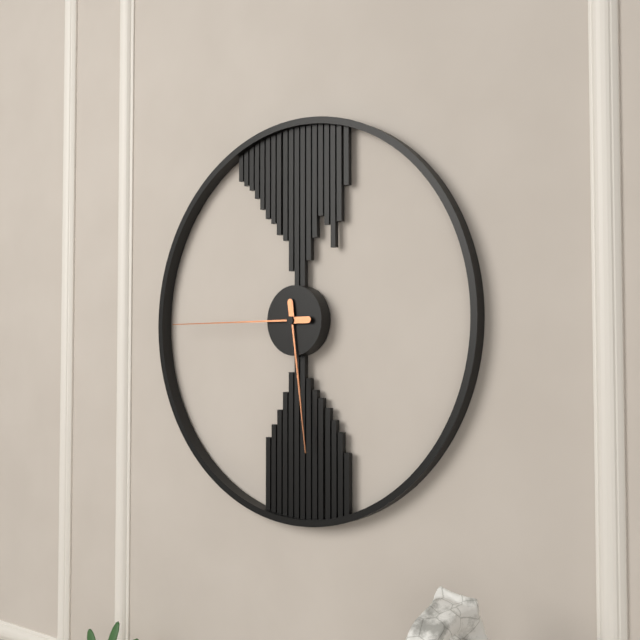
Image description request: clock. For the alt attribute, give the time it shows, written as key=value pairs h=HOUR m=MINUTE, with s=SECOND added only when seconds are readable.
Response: h=5 m=45
